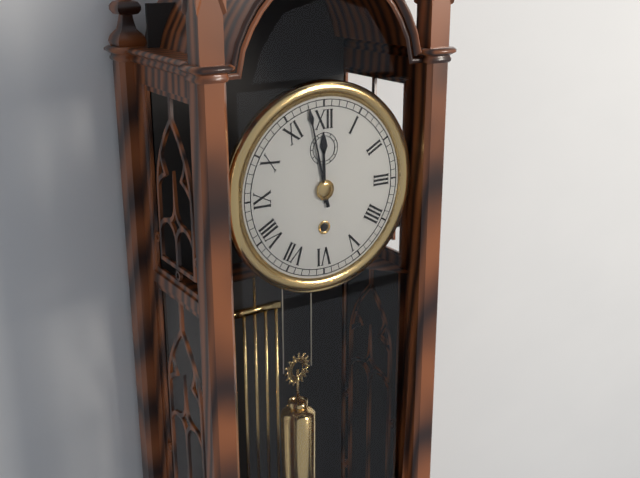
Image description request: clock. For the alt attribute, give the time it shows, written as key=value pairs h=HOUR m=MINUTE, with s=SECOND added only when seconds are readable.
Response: h=11 m=58
